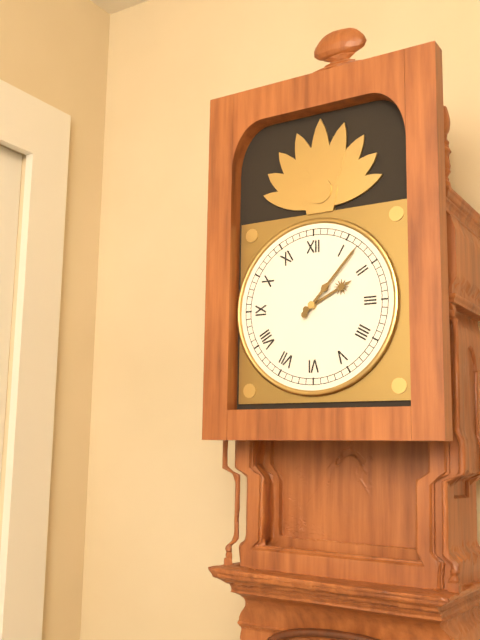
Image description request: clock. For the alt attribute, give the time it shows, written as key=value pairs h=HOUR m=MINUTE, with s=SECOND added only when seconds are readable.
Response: h=2 m=7
